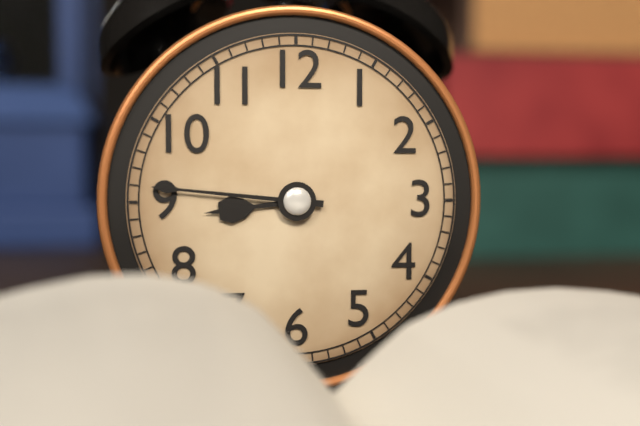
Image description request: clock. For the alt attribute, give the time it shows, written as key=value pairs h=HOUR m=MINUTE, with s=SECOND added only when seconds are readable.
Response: h=8 m=46
